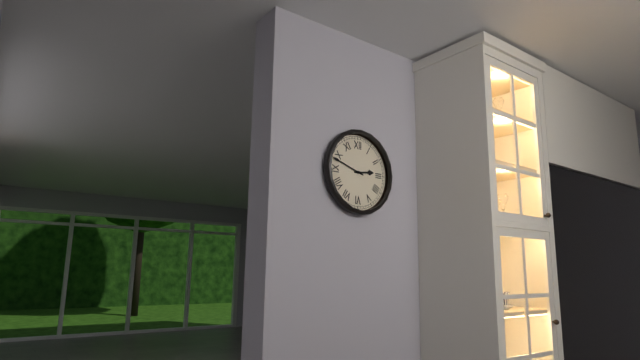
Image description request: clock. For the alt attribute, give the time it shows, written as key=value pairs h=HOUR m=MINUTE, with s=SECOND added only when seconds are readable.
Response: h=2 m=48
